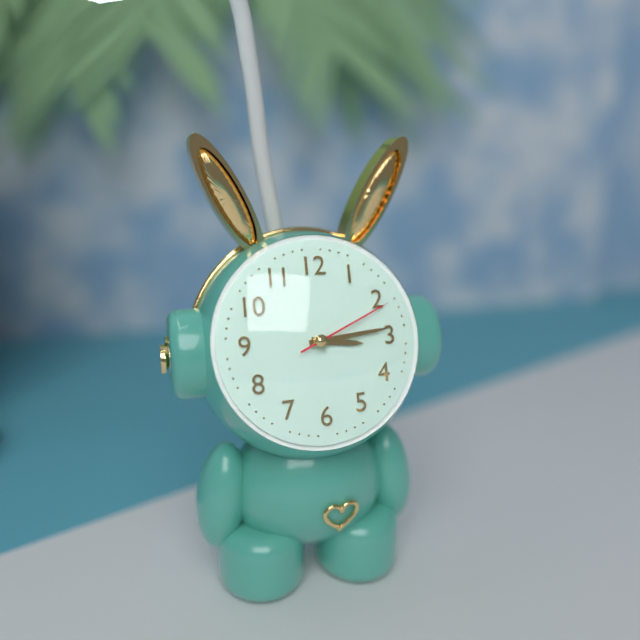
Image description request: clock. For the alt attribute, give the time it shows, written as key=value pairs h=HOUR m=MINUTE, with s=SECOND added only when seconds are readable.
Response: h=3 m=14 s=11
